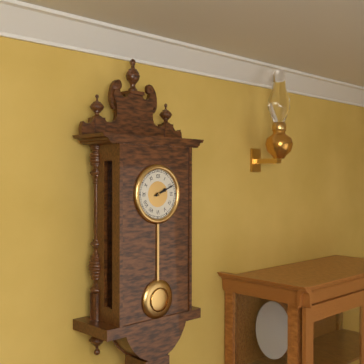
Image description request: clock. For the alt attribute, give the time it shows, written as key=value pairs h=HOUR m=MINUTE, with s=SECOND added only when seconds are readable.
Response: h=2 m=11
